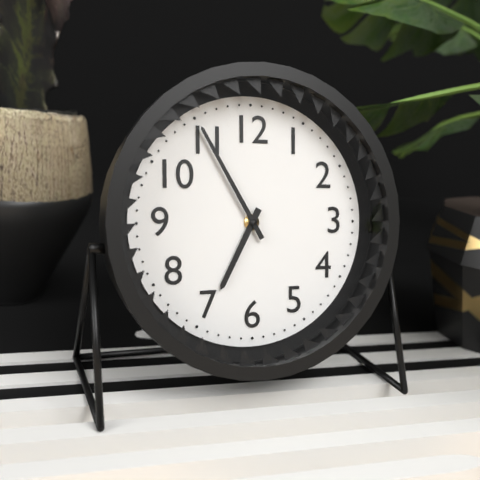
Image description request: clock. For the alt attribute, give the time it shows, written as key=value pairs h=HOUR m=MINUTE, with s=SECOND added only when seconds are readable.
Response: h=6 m=55
